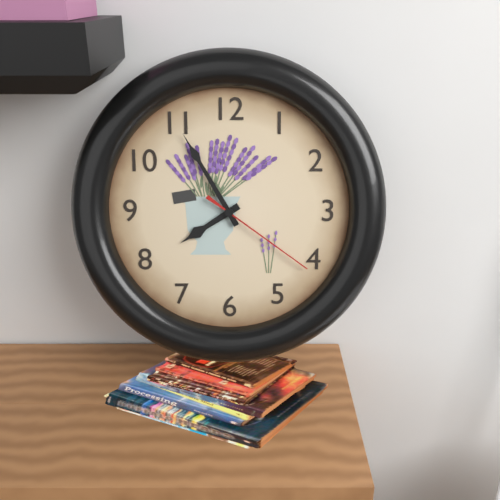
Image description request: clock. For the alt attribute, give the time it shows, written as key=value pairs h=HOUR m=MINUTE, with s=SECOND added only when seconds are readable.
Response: h=7 m=55 s=21
